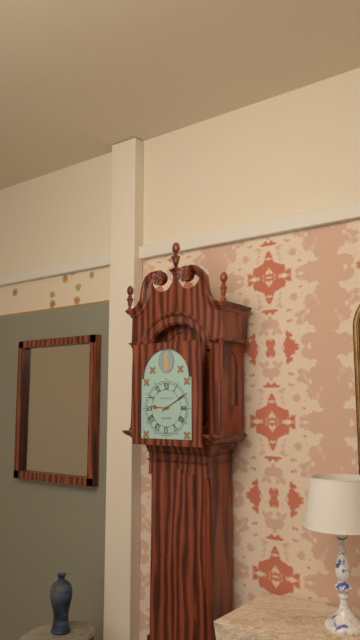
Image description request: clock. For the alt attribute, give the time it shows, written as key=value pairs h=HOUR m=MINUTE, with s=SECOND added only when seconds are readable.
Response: h=9 m=10
